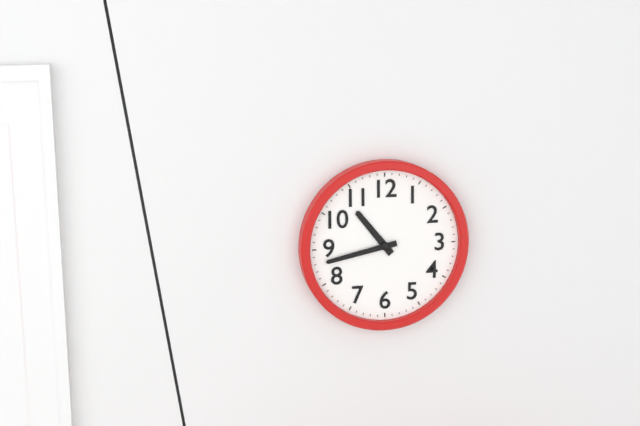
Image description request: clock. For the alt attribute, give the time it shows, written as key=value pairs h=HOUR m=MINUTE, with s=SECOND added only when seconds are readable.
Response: h=10 m=43
